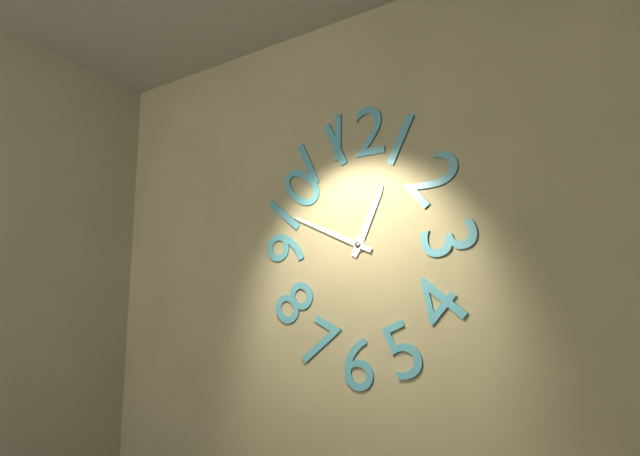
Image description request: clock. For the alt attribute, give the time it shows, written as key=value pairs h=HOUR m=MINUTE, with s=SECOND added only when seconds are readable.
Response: h=12 m=49
